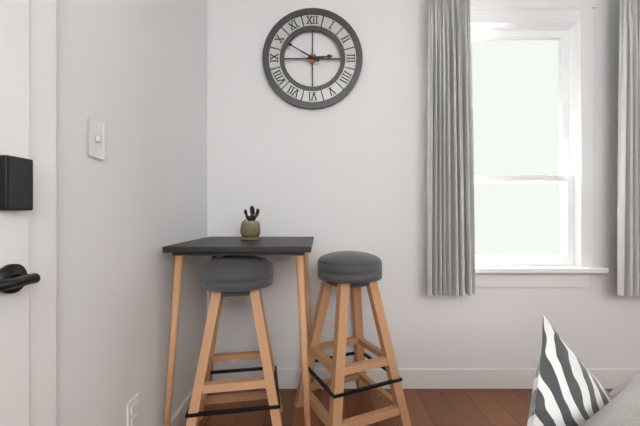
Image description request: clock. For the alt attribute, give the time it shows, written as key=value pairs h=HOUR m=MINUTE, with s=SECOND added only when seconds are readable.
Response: h=2 m=50
